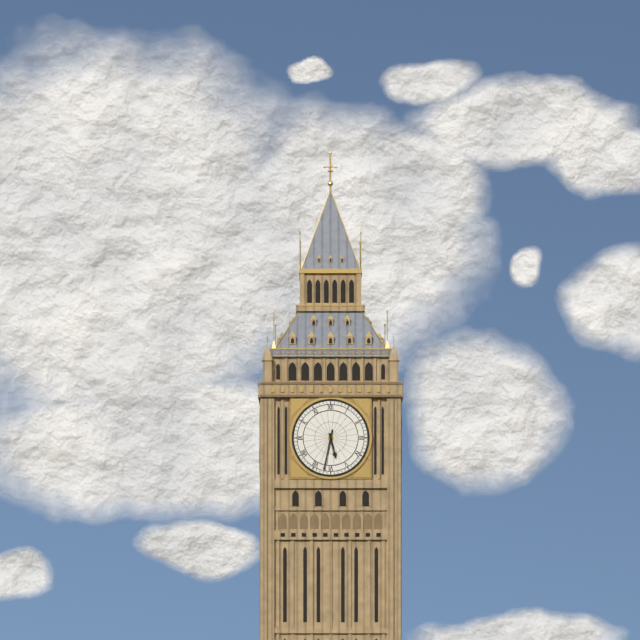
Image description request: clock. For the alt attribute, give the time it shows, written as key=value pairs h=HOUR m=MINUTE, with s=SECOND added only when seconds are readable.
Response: h=5 m=32
